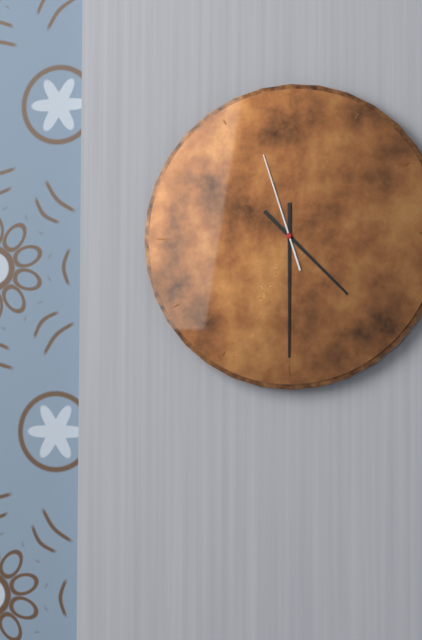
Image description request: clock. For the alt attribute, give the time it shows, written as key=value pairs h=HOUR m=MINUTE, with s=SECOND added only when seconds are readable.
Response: h=4 m=30 s=57
